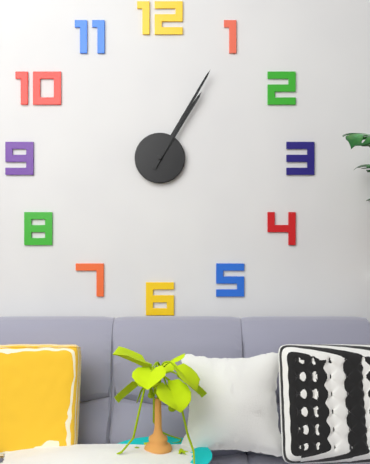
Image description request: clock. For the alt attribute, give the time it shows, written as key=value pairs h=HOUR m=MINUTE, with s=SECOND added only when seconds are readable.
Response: h=1 m=5
